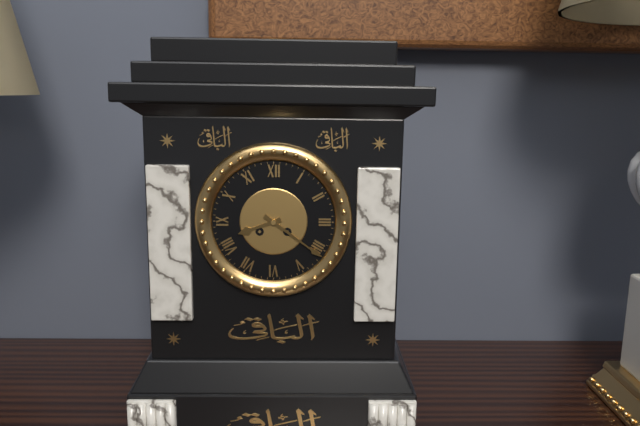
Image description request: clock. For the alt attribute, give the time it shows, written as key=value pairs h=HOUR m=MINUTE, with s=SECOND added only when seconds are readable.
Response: h=8 m=21
